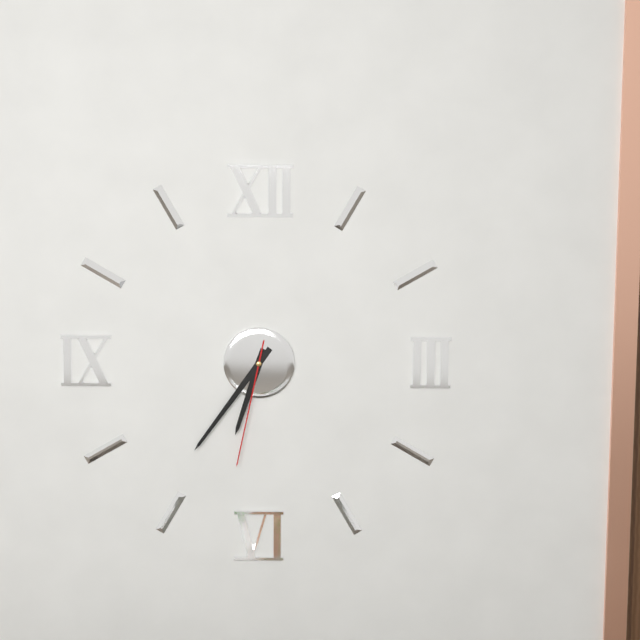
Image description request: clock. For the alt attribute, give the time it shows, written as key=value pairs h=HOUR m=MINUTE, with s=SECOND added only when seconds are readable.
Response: h=6 m=36 s=32
